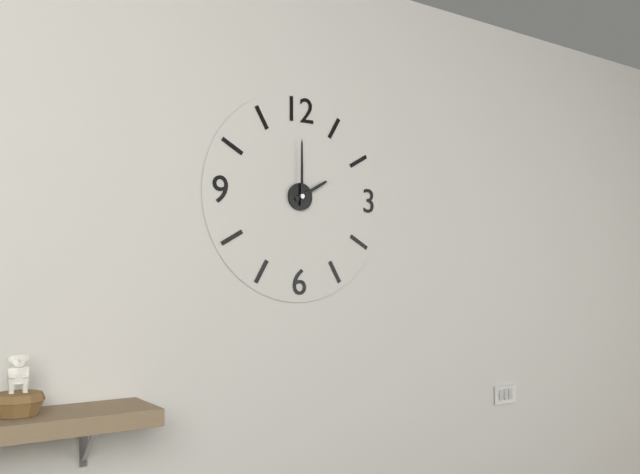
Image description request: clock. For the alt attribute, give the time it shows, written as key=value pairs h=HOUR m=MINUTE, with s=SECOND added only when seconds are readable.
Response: h=2 m=0
